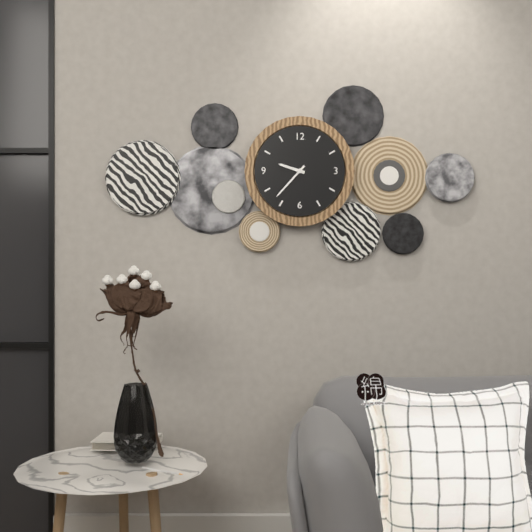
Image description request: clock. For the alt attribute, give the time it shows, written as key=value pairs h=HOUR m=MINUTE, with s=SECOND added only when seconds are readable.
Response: h=9 m=37
